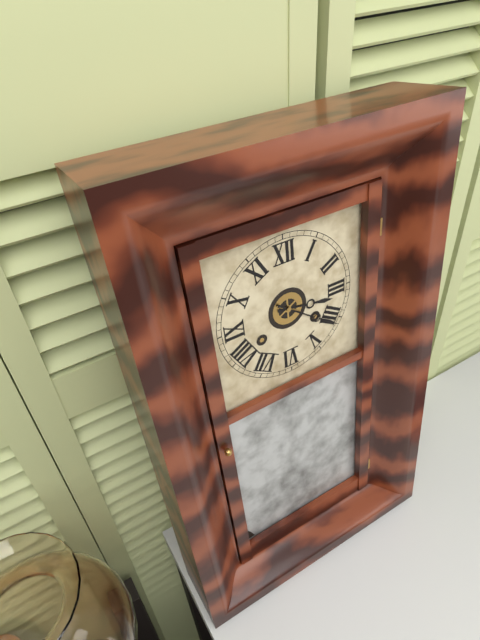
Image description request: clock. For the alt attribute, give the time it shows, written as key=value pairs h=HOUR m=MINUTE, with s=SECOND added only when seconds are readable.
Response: h=3 m=21
